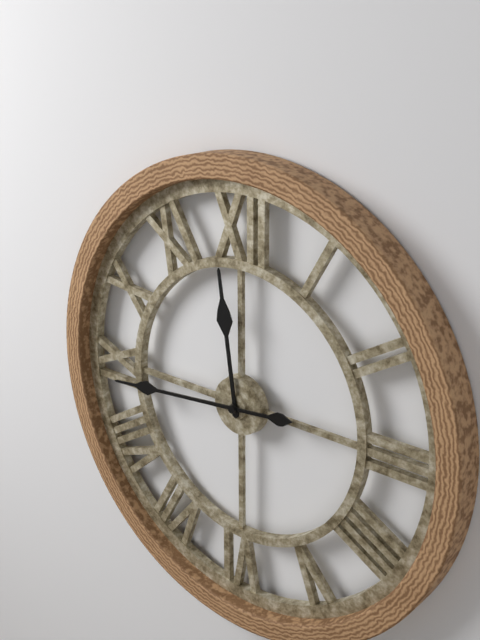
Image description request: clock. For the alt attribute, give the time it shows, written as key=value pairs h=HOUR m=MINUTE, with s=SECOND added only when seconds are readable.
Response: h=11 m=44
